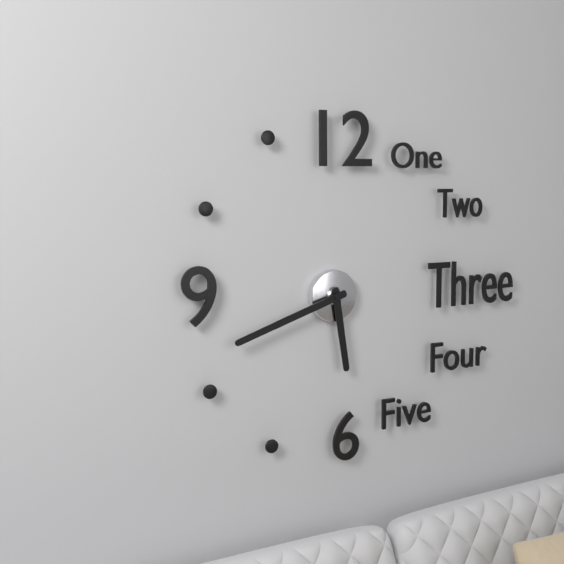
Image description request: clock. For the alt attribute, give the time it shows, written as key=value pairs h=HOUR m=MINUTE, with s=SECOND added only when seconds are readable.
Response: h=5 m=42
